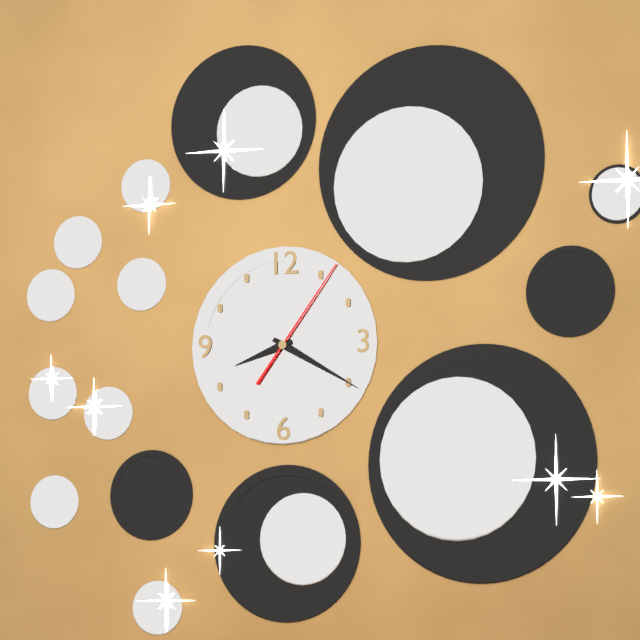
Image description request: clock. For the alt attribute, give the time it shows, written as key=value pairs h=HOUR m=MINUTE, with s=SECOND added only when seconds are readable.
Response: h=8 m=20 s=6
